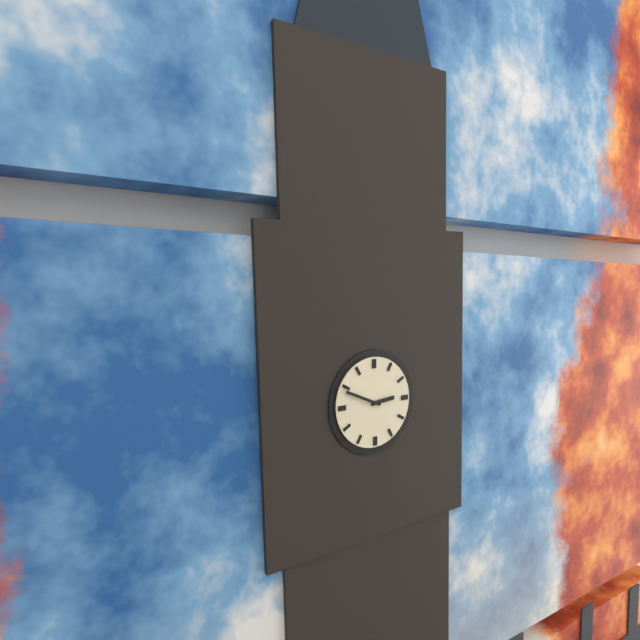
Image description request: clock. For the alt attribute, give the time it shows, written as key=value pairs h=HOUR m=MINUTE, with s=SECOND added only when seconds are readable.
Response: h=2 m=49
